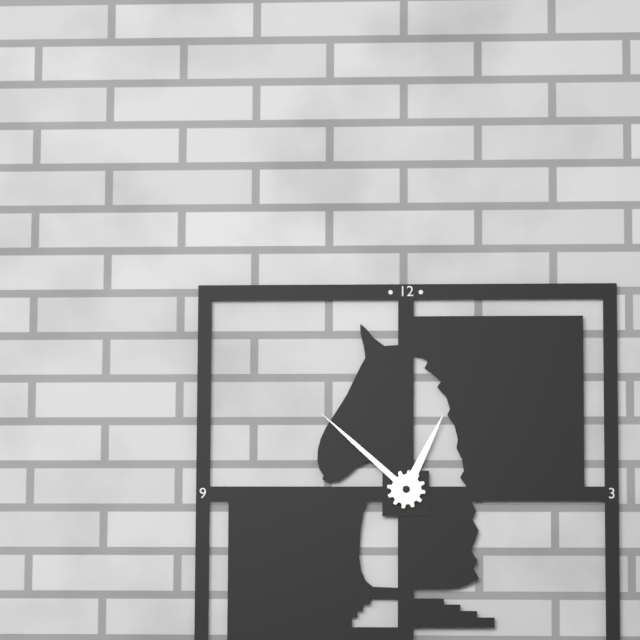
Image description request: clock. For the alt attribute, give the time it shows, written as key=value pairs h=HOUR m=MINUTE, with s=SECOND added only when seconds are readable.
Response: h=12 m=52
